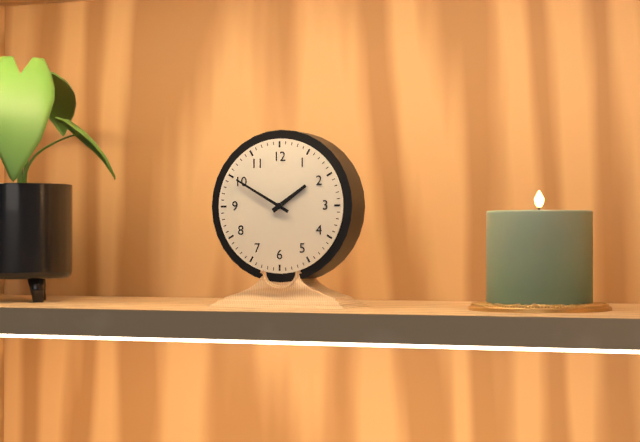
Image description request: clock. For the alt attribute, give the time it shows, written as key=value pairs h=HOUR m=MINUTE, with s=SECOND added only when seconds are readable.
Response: h=1 m=50
